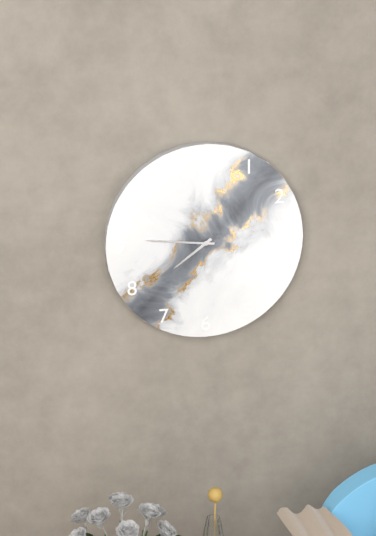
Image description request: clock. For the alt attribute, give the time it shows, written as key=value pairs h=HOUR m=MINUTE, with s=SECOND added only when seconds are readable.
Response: h=7 m=46
